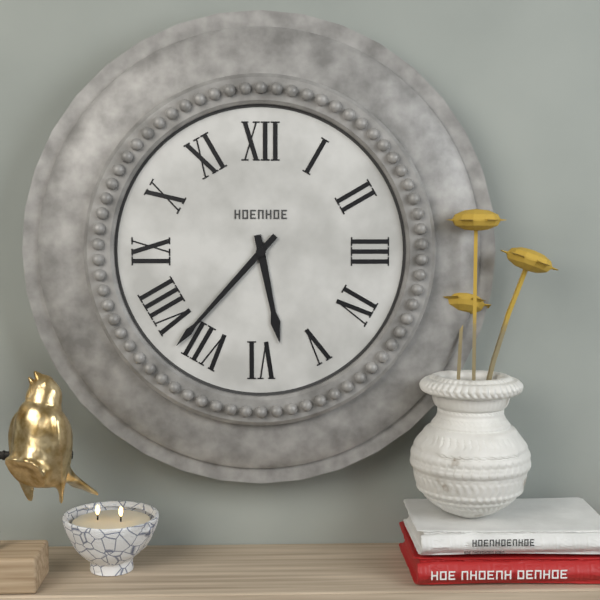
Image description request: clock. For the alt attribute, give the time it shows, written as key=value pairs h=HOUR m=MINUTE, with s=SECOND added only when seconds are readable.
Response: h=5 m=37
